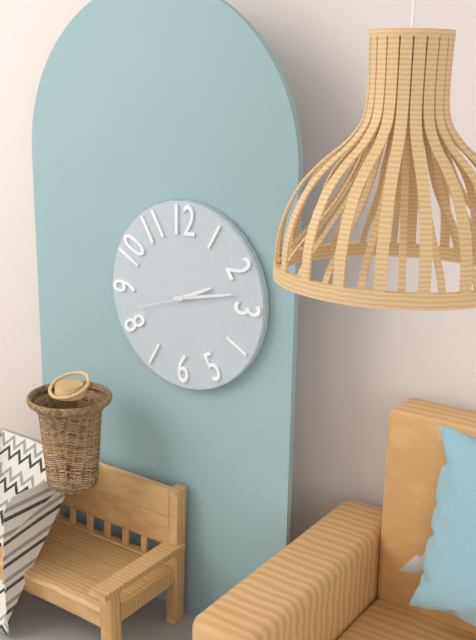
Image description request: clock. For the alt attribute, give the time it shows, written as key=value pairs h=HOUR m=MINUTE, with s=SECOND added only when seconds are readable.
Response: h=2 m=13 s=42
